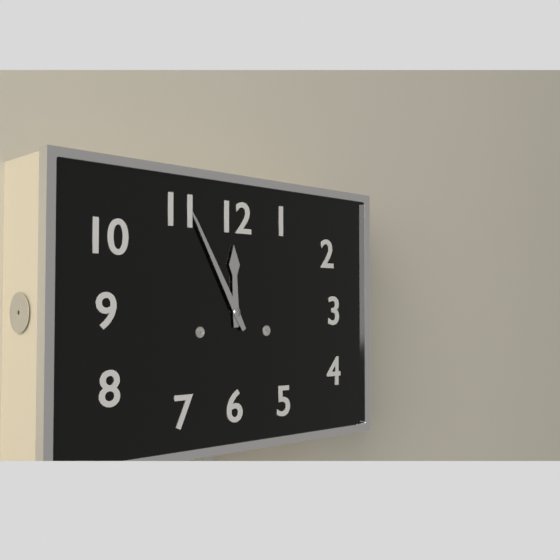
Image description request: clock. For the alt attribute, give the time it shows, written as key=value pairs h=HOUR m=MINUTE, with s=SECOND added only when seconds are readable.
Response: h=11 m=55
